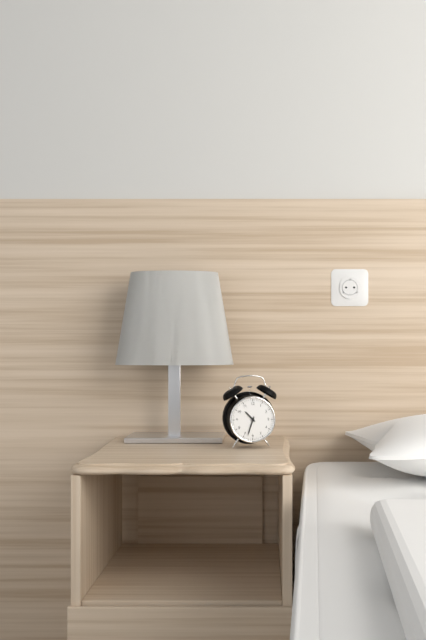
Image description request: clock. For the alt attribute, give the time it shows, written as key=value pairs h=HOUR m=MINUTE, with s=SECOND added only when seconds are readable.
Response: h=10 m=33
